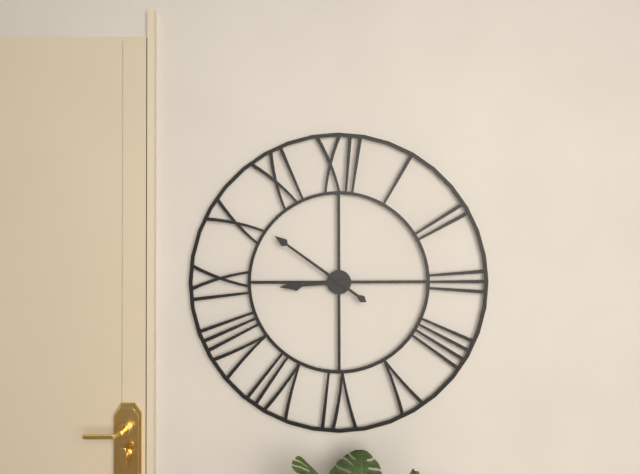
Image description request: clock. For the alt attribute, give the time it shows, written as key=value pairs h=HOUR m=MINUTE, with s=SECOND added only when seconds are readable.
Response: h=8 m=51
